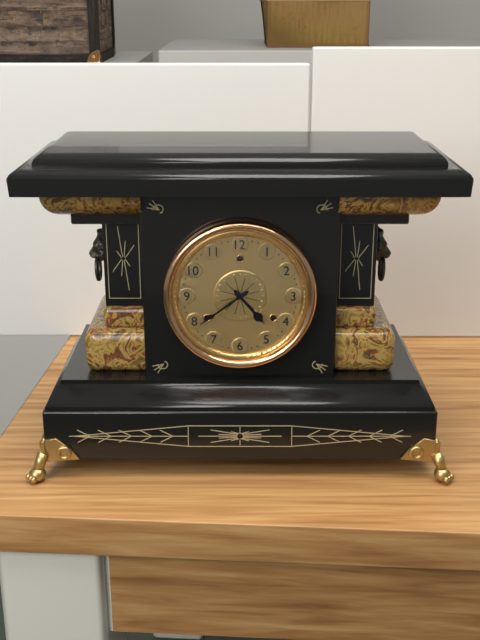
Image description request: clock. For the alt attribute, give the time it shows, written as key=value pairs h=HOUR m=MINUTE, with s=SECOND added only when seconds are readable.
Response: h=4 m=39
